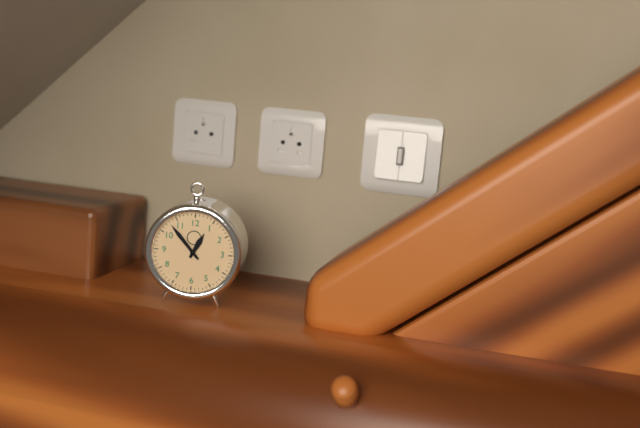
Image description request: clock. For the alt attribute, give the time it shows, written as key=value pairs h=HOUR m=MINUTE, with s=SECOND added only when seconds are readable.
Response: h=12 m=53
